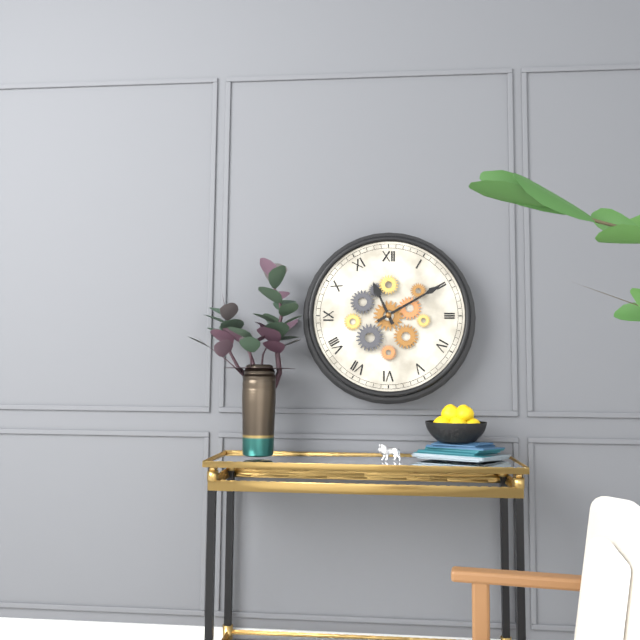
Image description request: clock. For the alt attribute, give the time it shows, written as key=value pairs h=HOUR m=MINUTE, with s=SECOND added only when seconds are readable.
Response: h=11 m=10
